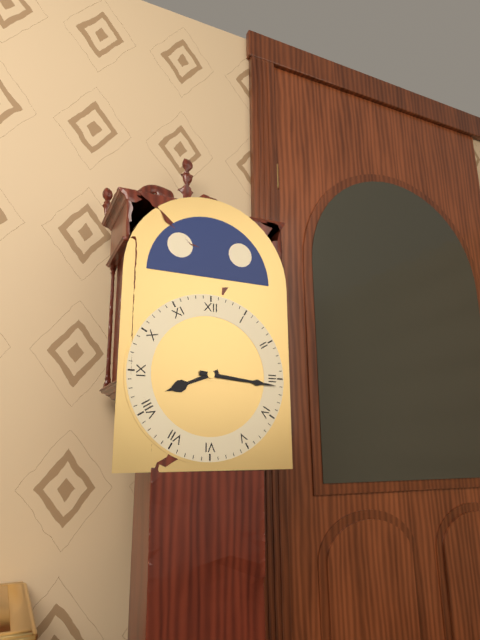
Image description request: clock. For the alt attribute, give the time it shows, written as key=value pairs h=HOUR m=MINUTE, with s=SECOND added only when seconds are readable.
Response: h=8 m=16
